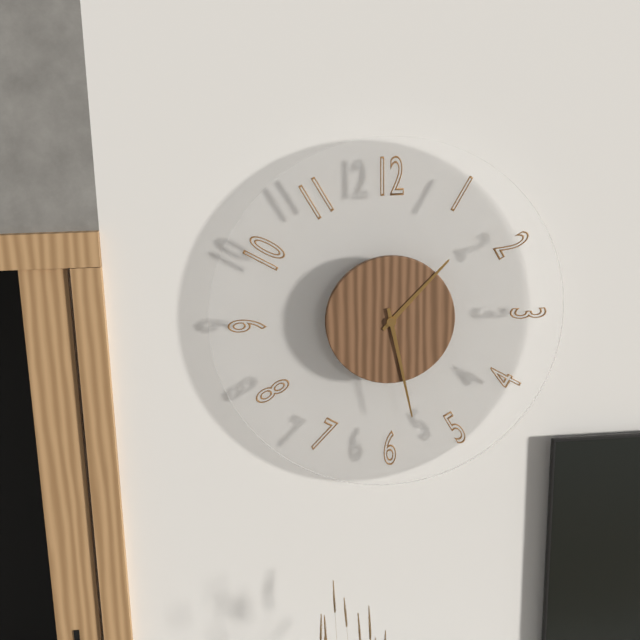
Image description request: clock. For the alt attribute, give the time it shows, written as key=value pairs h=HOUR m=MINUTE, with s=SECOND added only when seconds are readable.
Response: h=1 m=28
